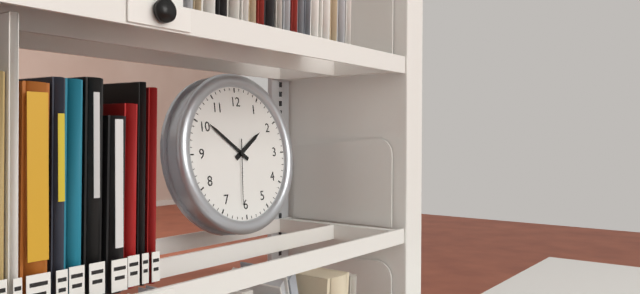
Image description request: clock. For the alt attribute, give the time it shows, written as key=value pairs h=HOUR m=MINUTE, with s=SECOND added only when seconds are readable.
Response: h=1 m=51 s=31
